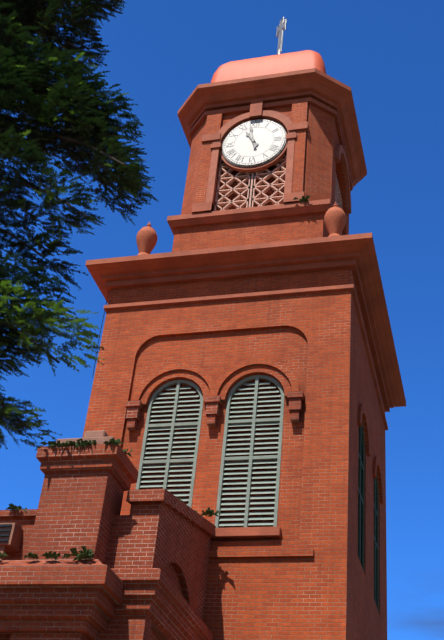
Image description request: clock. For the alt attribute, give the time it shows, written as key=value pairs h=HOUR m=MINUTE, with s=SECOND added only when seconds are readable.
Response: h=10 m=58
